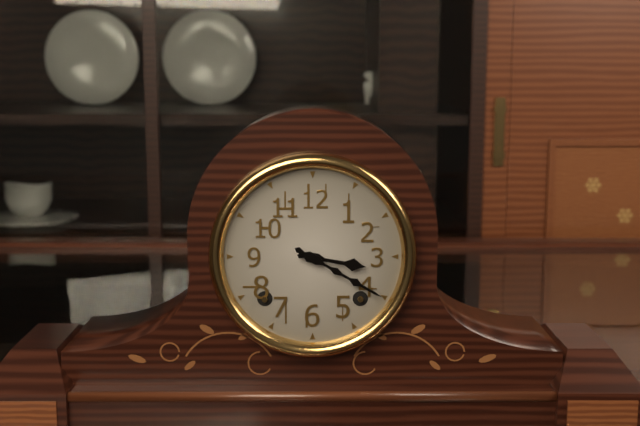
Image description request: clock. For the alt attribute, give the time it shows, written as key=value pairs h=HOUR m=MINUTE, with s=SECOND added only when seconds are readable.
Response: h=3 m=20
